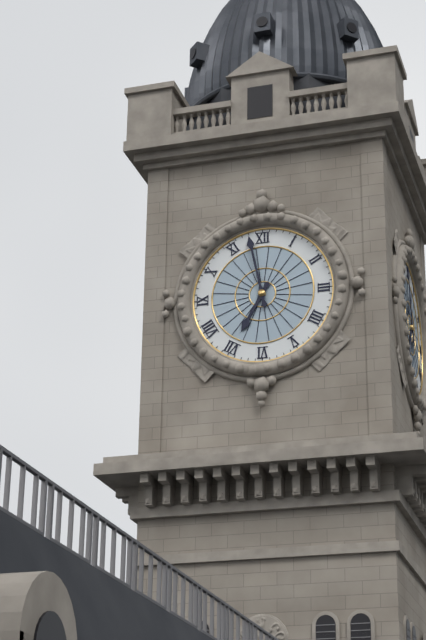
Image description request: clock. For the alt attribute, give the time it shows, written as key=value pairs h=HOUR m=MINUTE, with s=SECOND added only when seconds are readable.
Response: h=6 m=58
